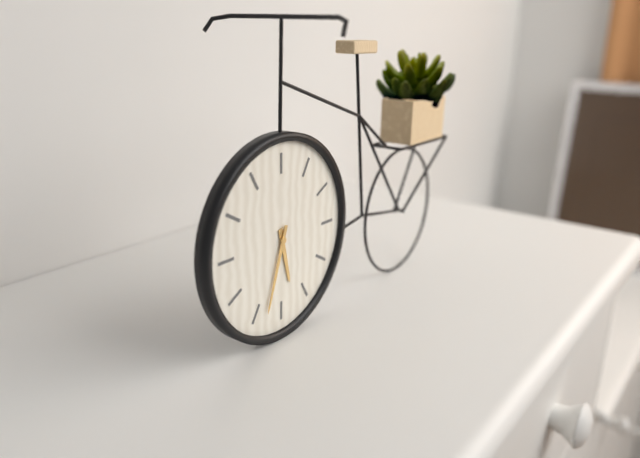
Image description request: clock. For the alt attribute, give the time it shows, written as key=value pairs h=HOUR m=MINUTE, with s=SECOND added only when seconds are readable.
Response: h=5 m=33
